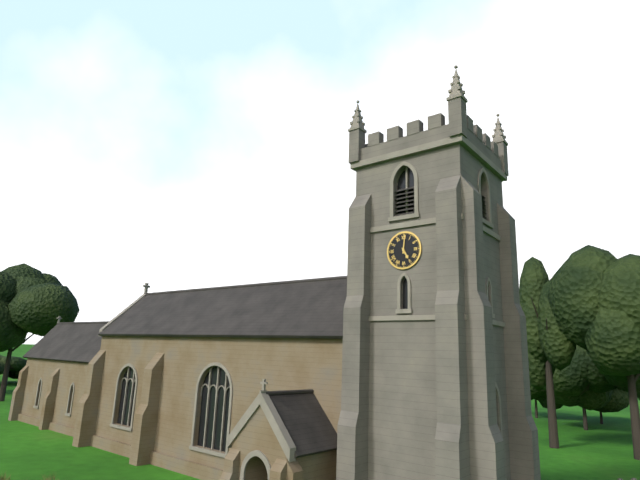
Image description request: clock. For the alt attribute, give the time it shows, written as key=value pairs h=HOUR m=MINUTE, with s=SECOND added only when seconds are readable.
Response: h=5 m=1
